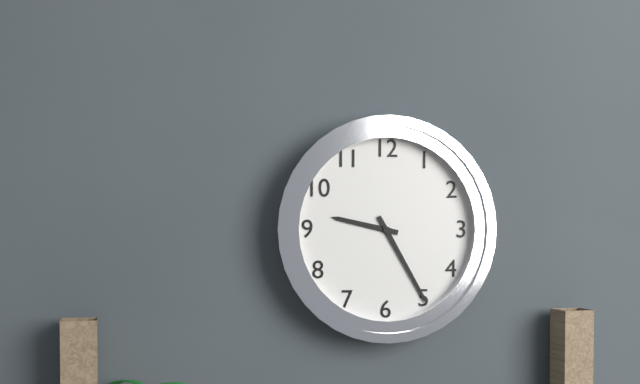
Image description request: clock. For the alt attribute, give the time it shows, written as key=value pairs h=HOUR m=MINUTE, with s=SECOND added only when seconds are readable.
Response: h=9 m=25
